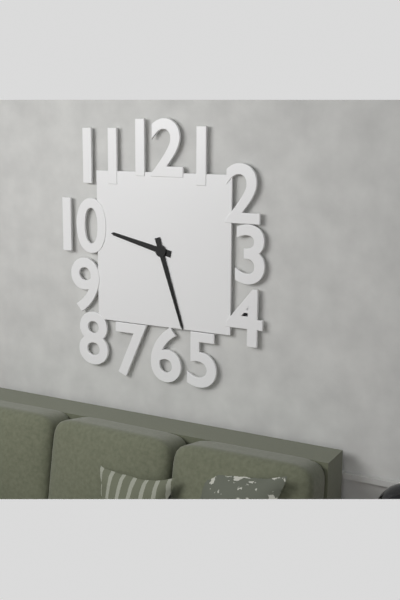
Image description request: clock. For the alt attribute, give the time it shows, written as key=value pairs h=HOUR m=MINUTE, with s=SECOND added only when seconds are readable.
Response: h=9 m=27
